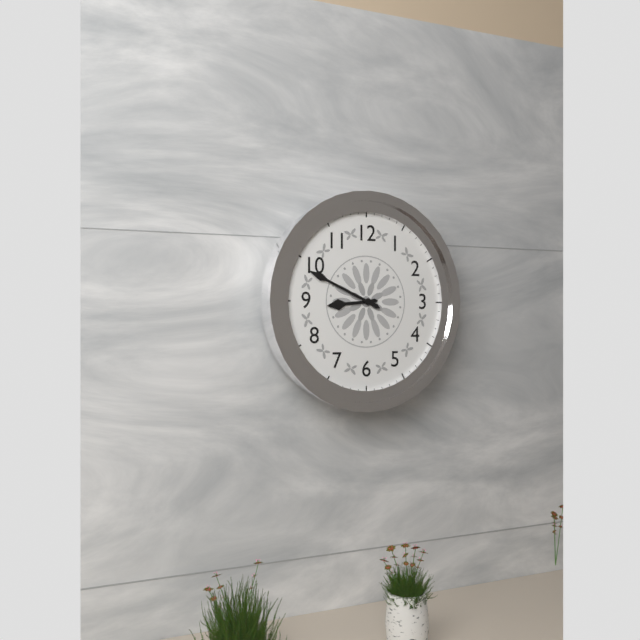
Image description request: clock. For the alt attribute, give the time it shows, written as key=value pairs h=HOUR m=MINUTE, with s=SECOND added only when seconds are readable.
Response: h=8 m=49
